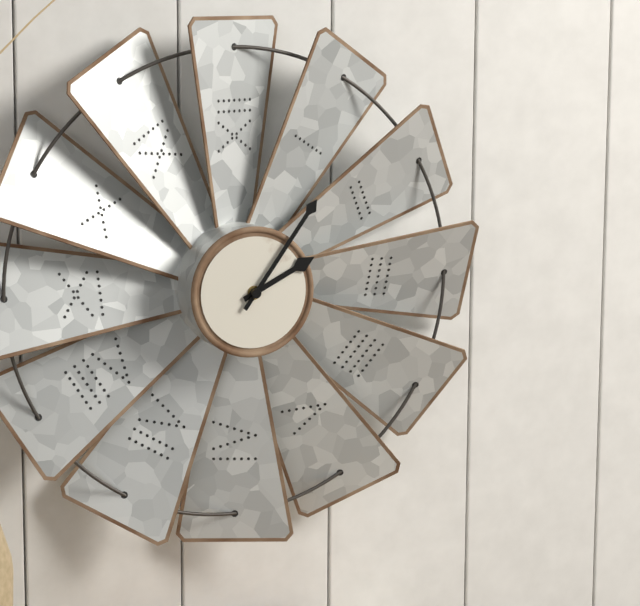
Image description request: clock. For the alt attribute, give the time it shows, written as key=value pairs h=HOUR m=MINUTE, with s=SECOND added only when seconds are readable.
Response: h=2 m=6
